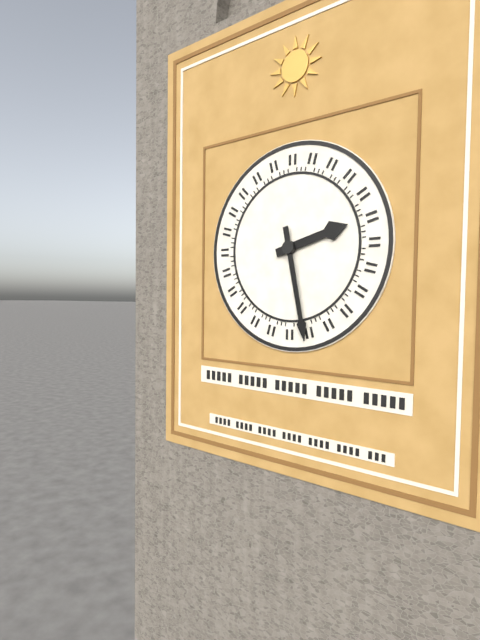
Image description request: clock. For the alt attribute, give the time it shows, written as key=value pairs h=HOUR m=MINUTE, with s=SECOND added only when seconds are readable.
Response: h=2 m=28
